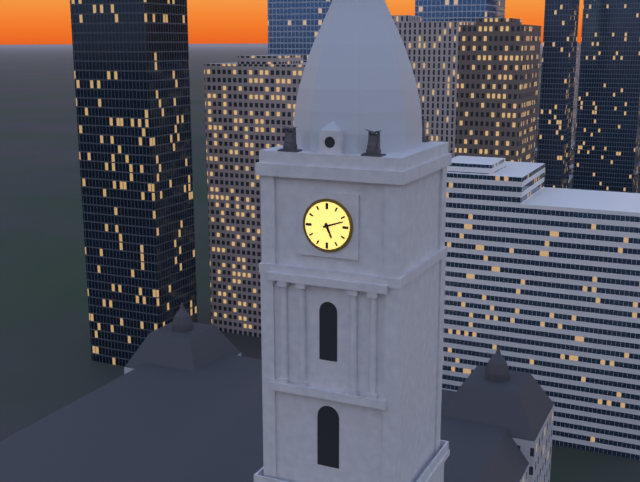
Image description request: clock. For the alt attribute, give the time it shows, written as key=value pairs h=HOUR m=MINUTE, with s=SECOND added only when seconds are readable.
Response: h=5 m=12
